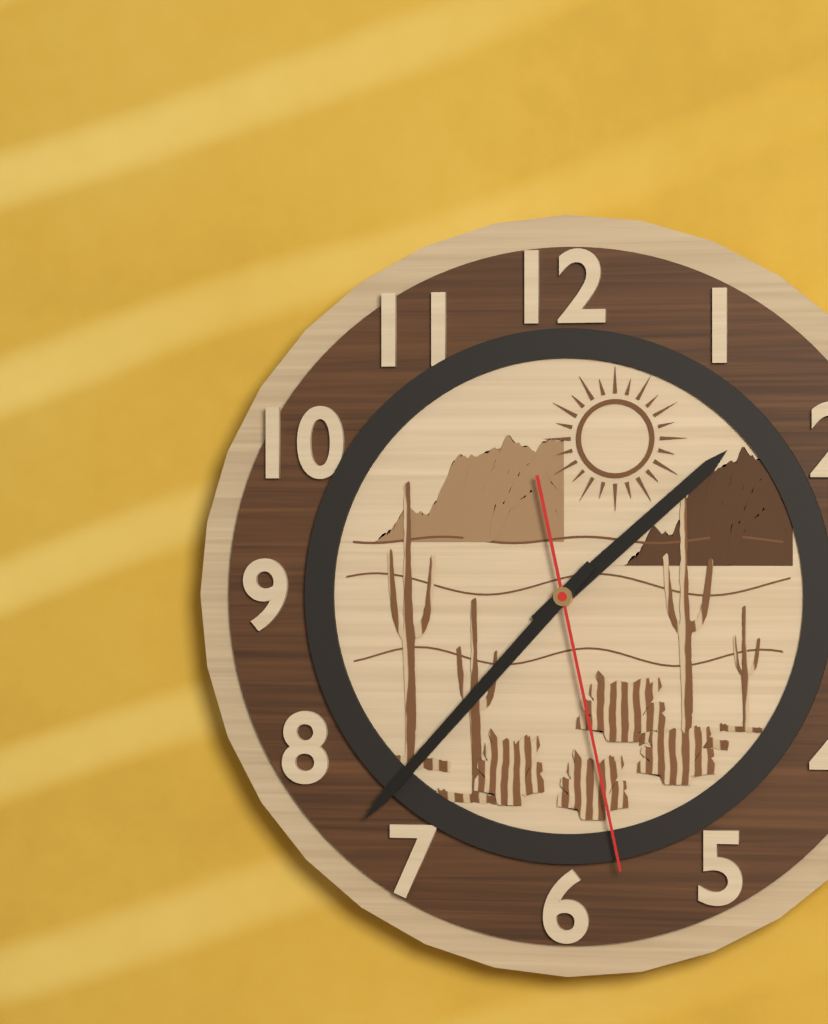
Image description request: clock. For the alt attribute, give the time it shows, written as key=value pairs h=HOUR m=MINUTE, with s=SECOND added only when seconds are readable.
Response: h=1 m=37 s=28
